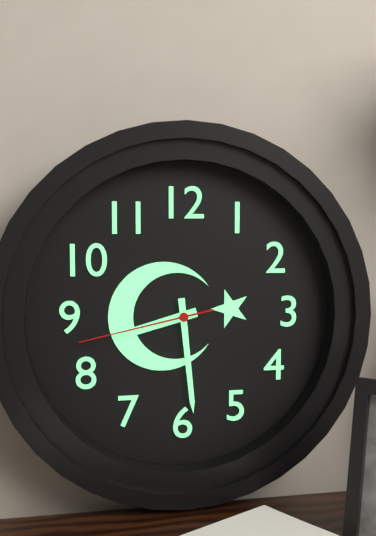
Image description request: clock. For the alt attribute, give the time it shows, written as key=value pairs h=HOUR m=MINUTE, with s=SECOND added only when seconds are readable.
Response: h=8 m=29 s=43
